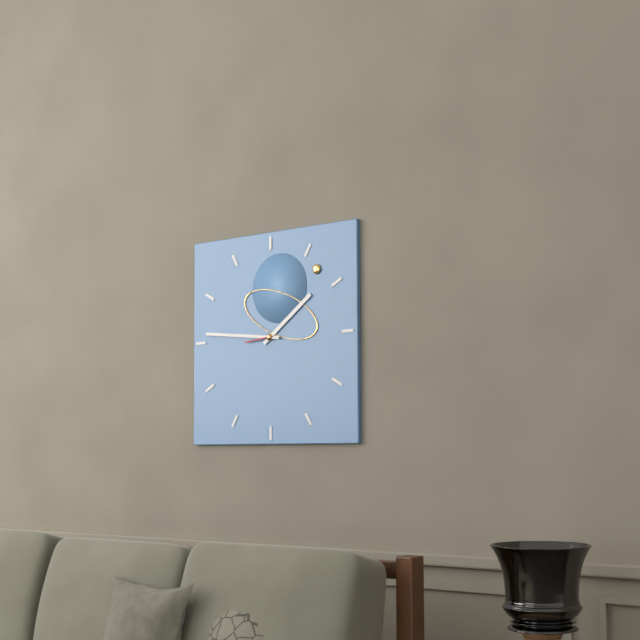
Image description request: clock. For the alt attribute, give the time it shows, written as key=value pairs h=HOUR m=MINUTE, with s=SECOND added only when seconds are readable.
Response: h=1 m=46
